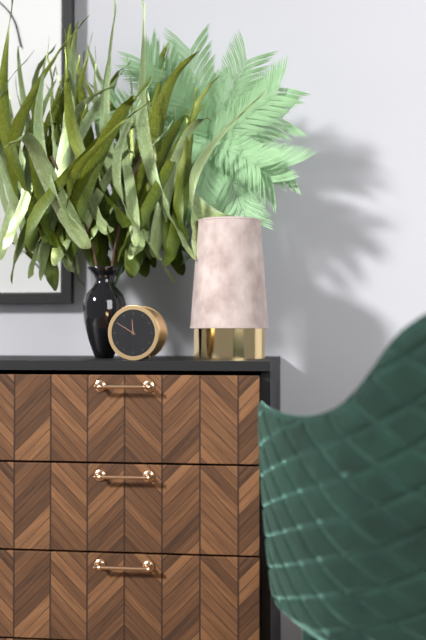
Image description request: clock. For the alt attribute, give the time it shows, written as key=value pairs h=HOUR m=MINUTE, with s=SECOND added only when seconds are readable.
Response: h=11 m=50
